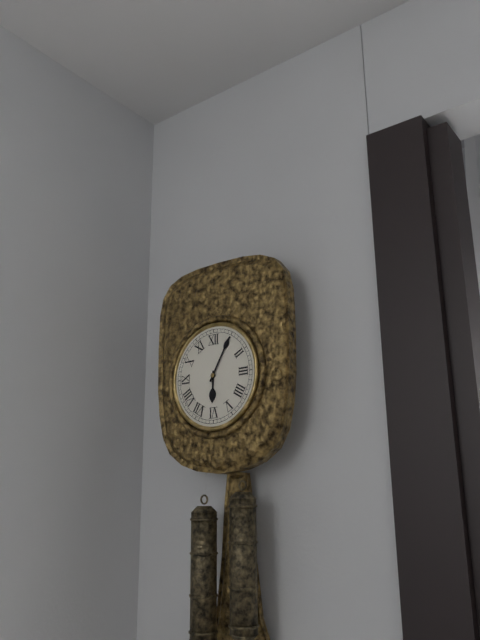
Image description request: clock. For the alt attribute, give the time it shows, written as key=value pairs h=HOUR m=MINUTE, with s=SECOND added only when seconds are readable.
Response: h=6 m=5
